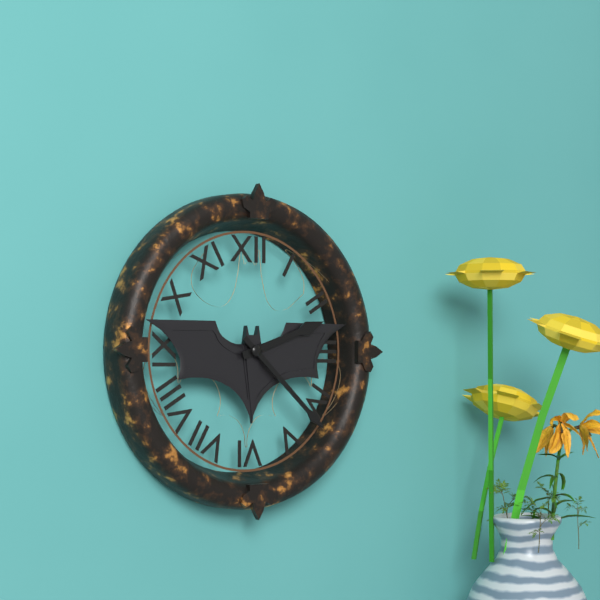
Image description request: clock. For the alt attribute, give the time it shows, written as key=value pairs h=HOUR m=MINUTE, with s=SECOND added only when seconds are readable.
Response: h=2 m=22
